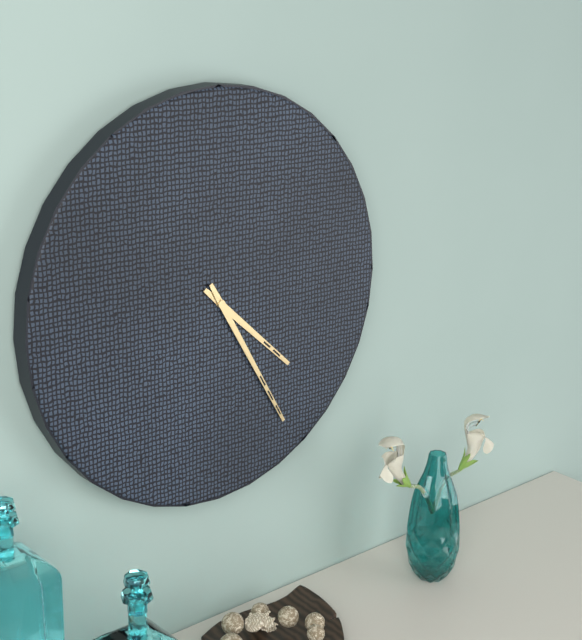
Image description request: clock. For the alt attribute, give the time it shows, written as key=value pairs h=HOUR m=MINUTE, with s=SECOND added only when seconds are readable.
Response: h=4 m=25
